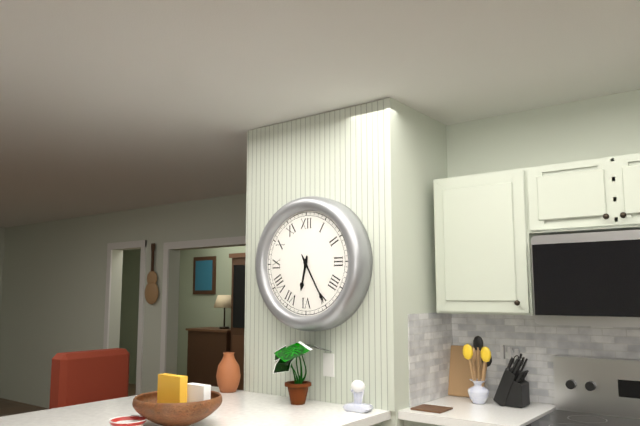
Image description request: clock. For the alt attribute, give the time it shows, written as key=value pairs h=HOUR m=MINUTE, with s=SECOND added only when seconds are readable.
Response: h=6 m=25
